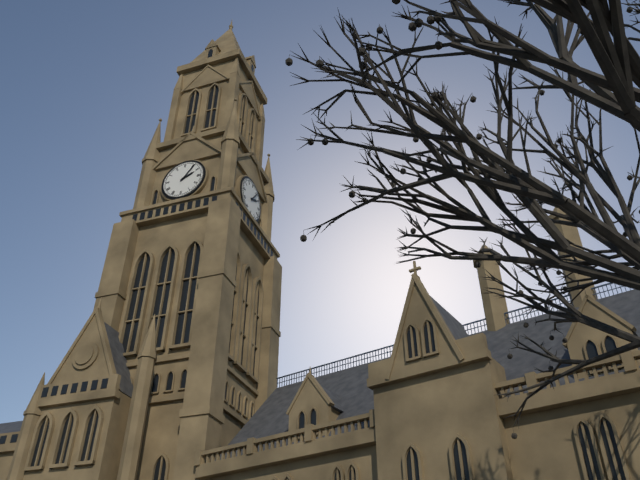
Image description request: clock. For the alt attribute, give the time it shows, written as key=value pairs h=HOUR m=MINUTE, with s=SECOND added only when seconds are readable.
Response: h=2 m=6
